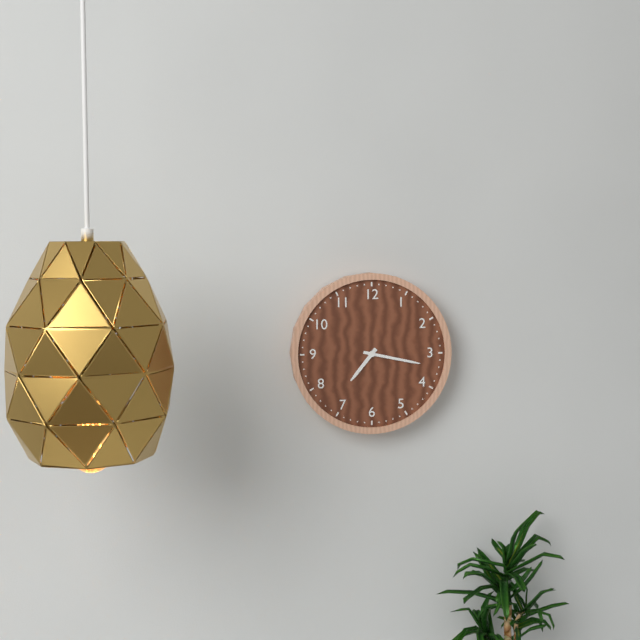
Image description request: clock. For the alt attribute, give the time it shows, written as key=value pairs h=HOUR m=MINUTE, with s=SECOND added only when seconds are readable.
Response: h=7 m=17
